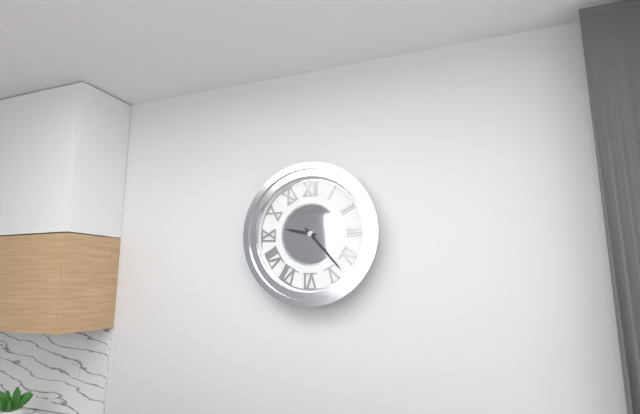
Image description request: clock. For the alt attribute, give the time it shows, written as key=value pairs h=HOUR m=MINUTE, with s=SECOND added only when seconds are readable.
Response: h=9 m=23
